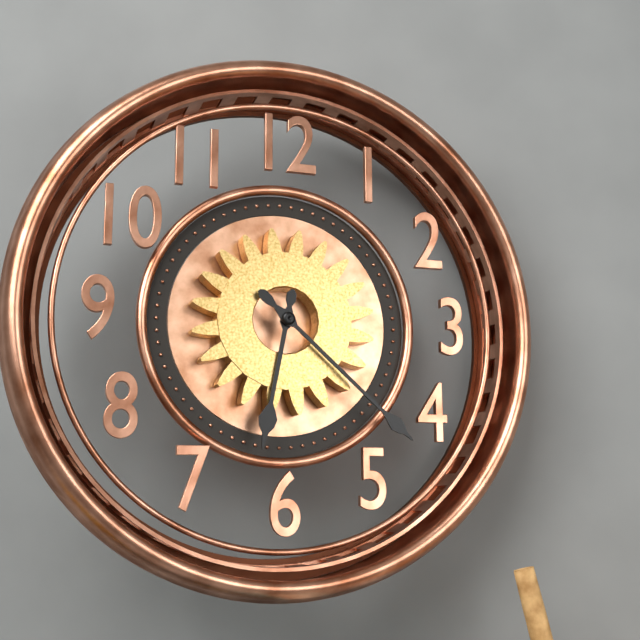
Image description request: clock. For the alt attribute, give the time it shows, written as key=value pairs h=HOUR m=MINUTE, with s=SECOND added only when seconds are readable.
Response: h=6 m=22
